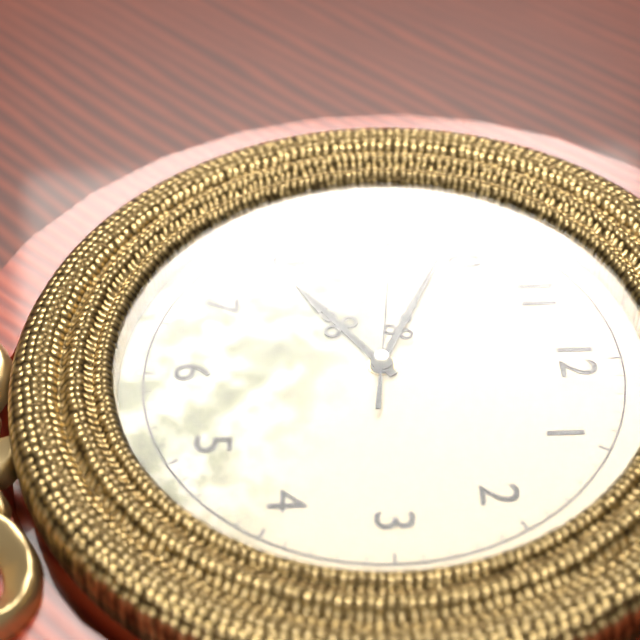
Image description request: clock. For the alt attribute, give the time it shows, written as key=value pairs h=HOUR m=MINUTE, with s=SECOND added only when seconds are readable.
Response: h=7 m=49 s=46
